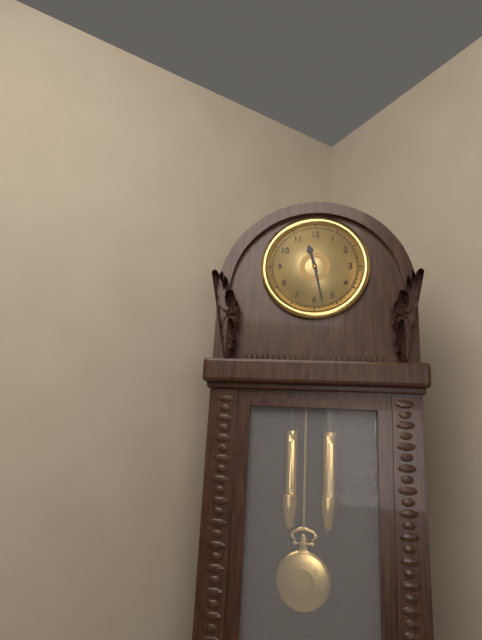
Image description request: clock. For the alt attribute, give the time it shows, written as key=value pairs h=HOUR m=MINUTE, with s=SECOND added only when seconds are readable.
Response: h=11 m=28
